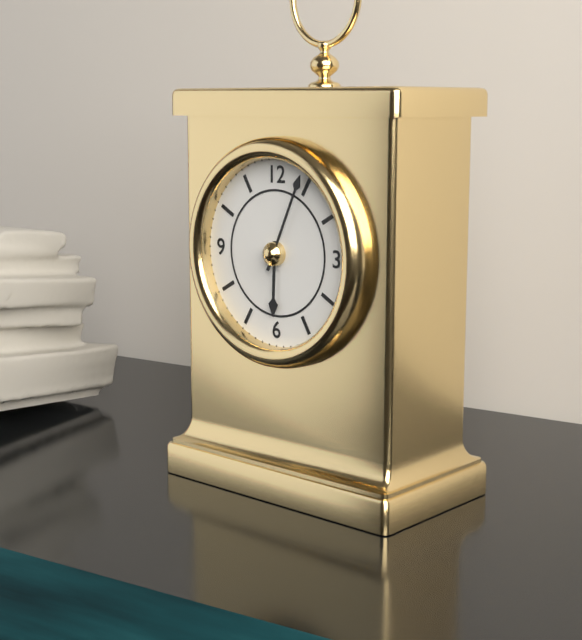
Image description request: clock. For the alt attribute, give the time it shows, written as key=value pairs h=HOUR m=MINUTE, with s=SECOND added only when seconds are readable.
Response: h=6 m=4
